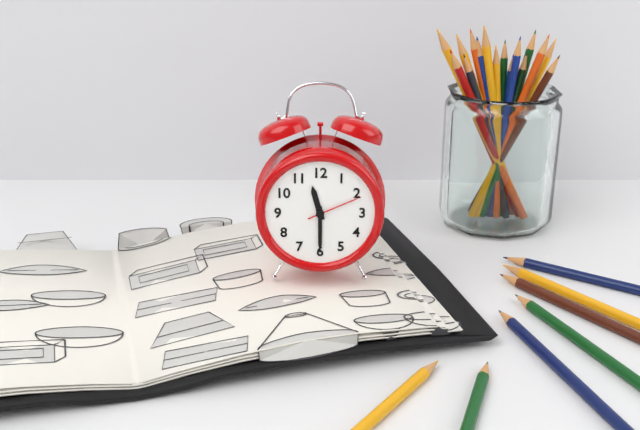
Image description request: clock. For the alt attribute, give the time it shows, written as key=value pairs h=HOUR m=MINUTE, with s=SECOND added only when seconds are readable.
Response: h=11 m=30 s=11
